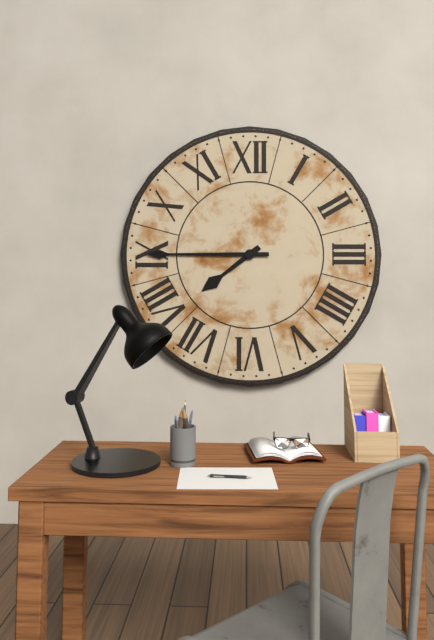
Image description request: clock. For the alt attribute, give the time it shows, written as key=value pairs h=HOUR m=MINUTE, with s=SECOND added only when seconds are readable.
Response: h=7 m=45
